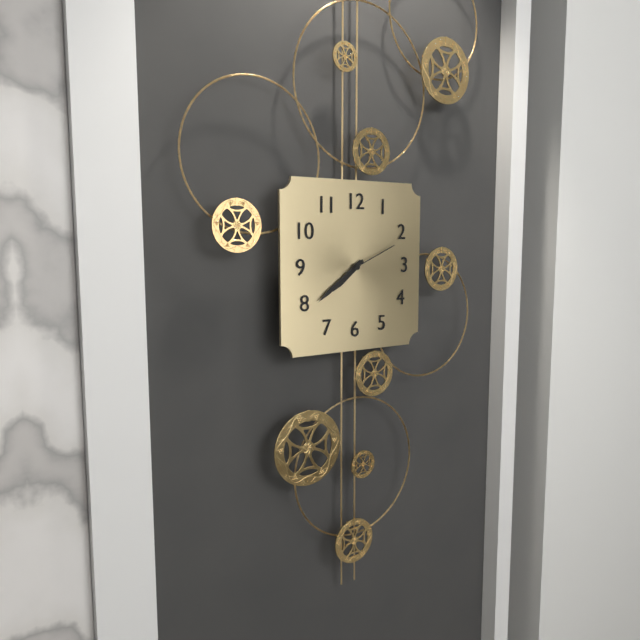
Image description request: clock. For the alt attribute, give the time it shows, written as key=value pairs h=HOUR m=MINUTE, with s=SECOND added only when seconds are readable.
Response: h=7 m=39 s=11
